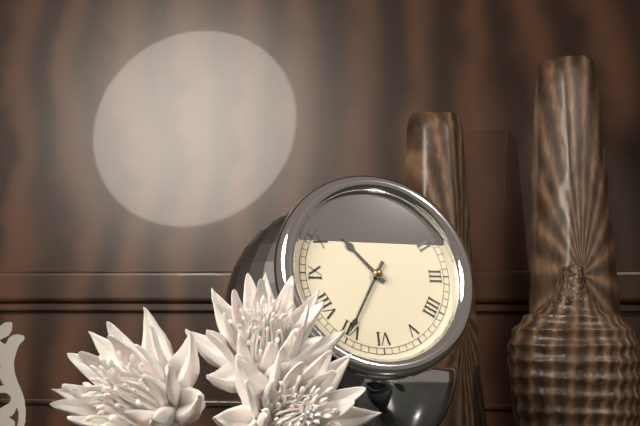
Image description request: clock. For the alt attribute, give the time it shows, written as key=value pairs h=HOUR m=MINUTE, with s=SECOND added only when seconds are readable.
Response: h=10 m=35
